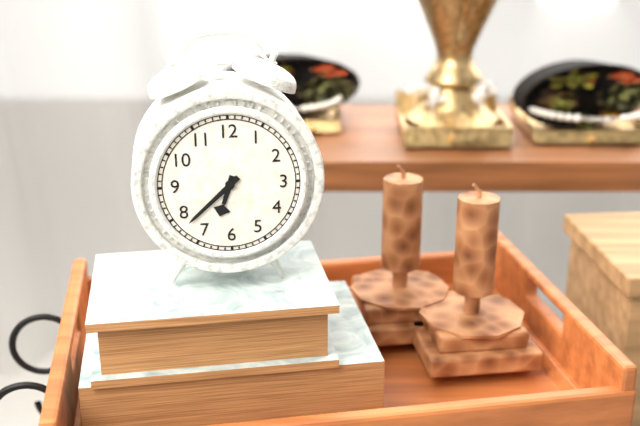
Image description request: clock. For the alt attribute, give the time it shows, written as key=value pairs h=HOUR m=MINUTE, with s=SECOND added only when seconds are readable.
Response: h=6 m=38
